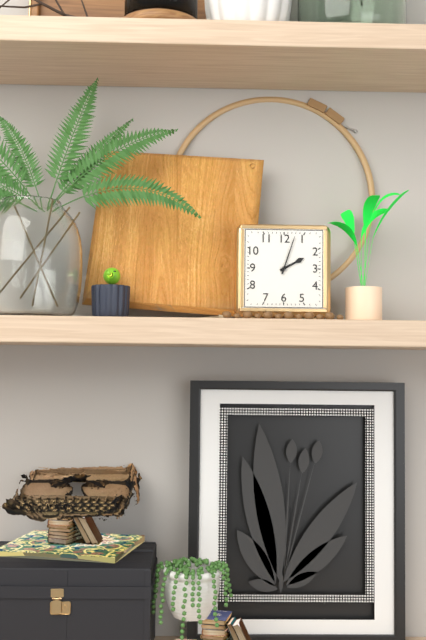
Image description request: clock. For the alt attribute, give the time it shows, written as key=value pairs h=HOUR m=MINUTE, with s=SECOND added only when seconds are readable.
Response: h=2 m=3
